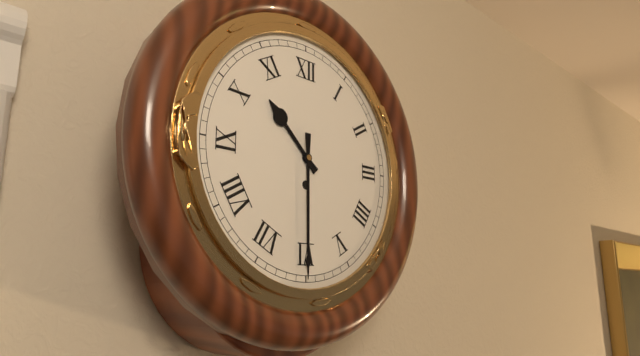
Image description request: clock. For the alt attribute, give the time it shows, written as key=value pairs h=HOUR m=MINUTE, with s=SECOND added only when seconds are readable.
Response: h=10 m=30
